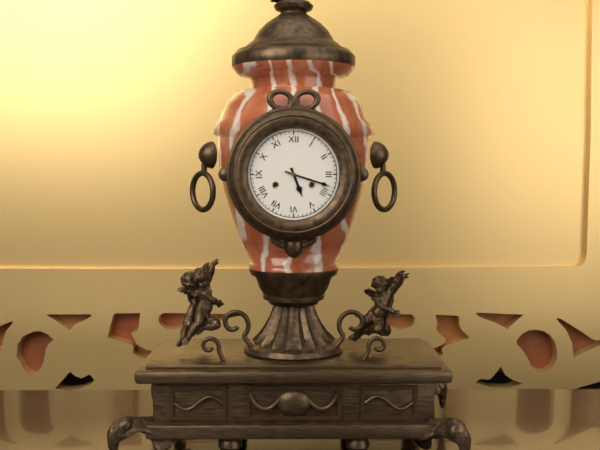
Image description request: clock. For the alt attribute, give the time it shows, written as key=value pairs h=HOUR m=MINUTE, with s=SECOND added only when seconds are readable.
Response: h=5 m=18
